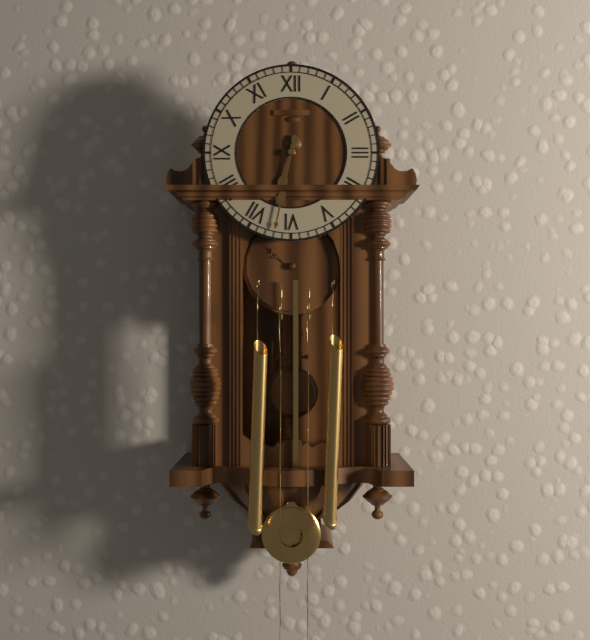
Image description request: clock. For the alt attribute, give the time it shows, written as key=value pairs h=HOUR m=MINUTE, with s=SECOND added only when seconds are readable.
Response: h=6 m=32
